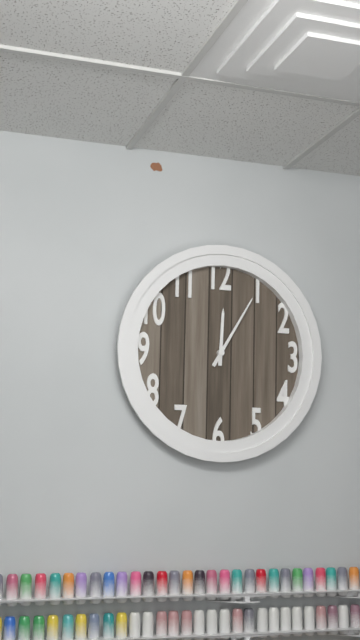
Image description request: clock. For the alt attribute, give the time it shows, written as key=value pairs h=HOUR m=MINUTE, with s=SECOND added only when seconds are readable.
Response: h=12 m=5
